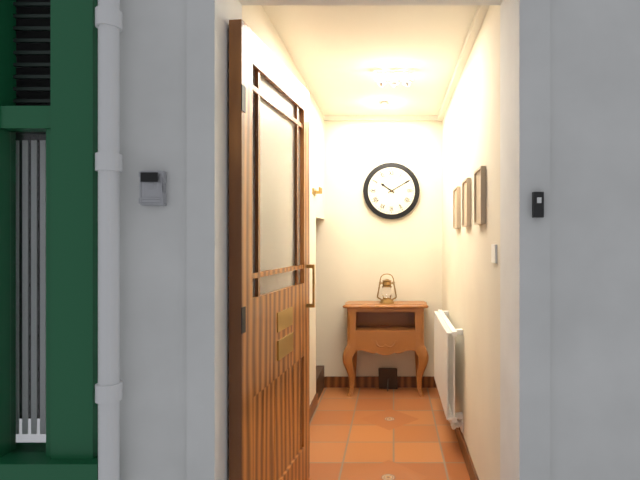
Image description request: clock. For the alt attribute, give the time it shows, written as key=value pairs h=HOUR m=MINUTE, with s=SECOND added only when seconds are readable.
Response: h=10 m=10
